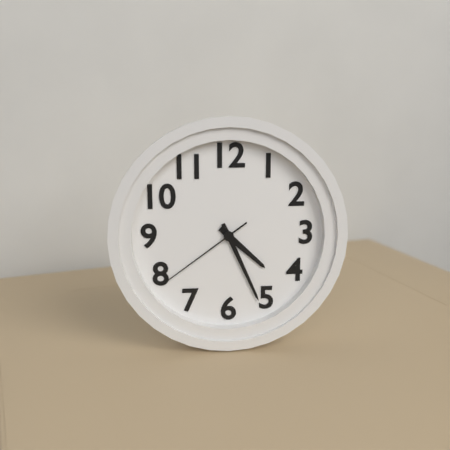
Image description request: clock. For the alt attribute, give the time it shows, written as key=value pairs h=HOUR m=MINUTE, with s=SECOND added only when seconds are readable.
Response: h=4 m=26 s=39
